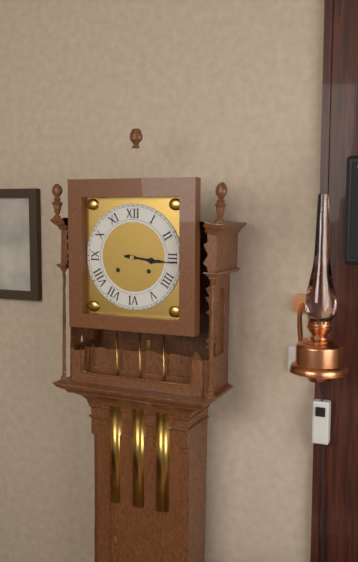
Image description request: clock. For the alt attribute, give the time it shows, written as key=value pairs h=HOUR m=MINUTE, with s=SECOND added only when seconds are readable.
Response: h=3 m=16
